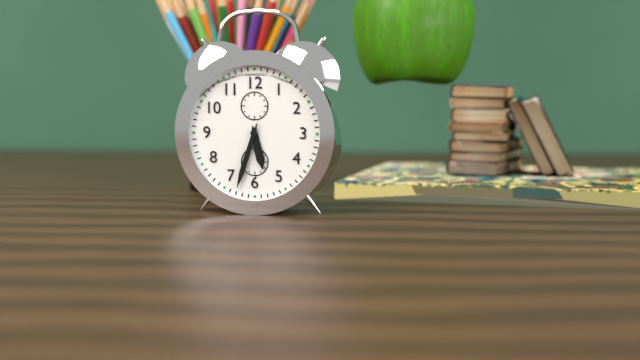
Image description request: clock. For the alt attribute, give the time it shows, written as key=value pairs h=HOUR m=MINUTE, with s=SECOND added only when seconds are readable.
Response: h=5 m=33
